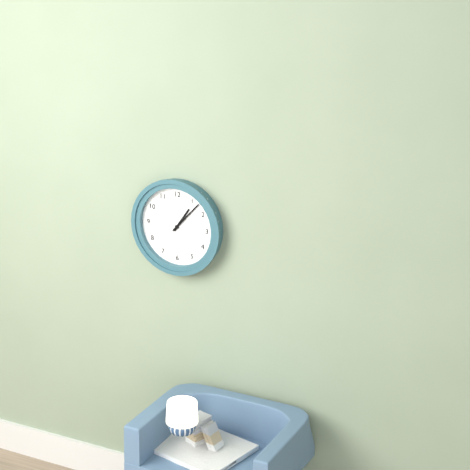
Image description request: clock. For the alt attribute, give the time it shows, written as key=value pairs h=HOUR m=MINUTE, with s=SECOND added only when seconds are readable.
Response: h=1 m=7
